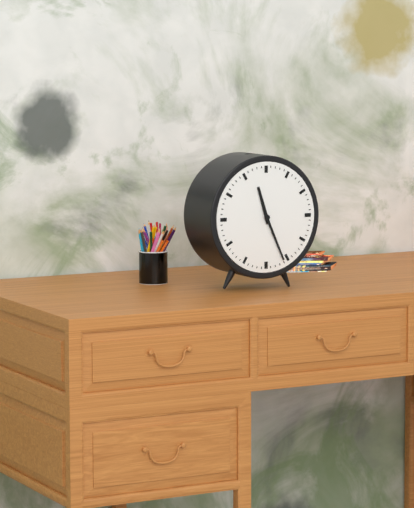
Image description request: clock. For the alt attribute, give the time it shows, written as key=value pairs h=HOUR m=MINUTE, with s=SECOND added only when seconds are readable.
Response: h=11 m=26
